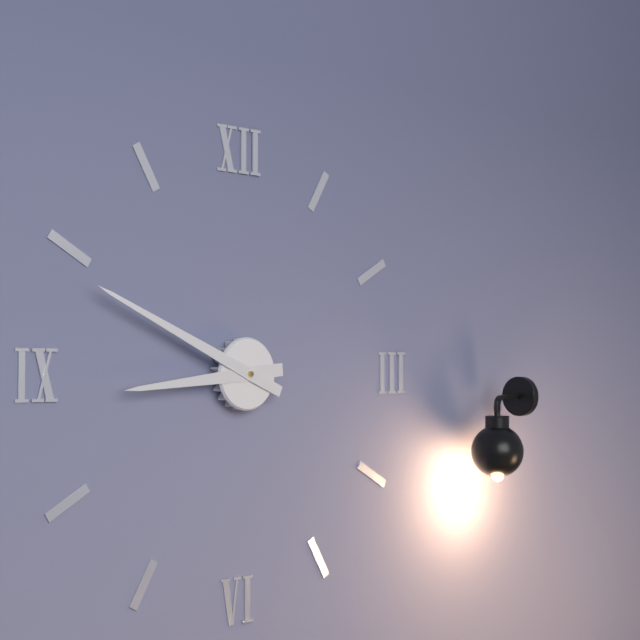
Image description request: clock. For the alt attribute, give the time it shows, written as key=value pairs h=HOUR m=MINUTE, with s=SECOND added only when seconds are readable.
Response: h=8 m=49
